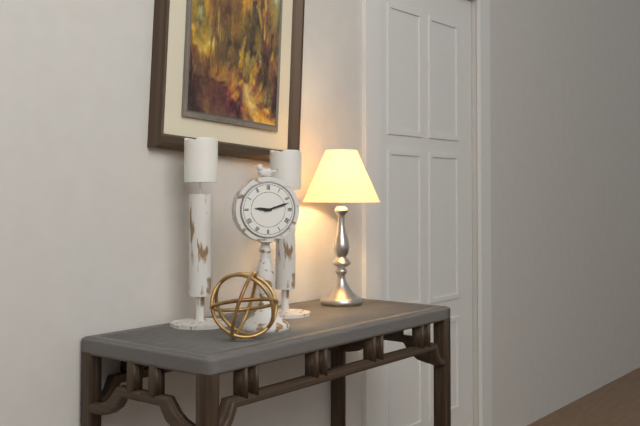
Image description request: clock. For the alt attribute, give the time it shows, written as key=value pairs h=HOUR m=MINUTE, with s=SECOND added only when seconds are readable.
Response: h=9 m=12
